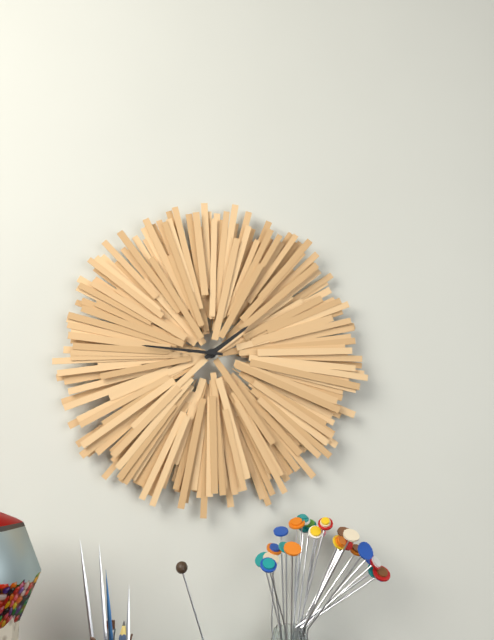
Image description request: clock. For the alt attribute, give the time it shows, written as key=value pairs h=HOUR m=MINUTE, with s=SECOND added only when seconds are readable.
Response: h=1 m=46
